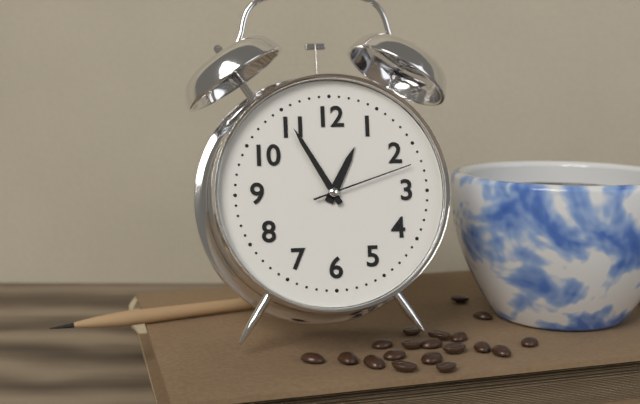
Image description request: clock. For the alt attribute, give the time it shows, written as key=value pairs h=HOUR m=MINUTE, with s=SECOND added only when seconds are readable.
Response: h=12 m=55 s=12
